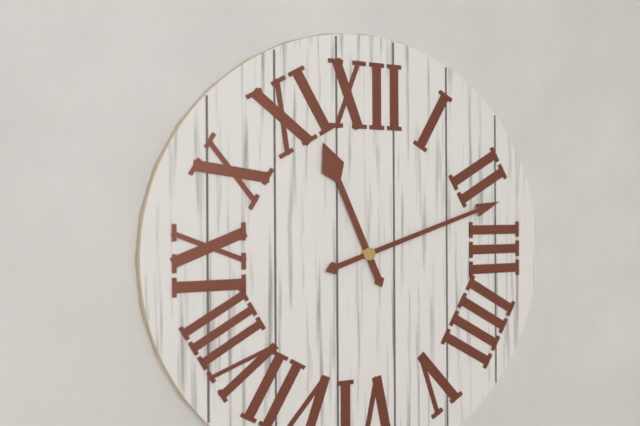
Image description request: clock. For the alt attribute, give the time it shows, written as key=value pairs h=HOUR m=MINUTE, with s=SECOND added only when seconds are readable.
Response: h=11 m=12
